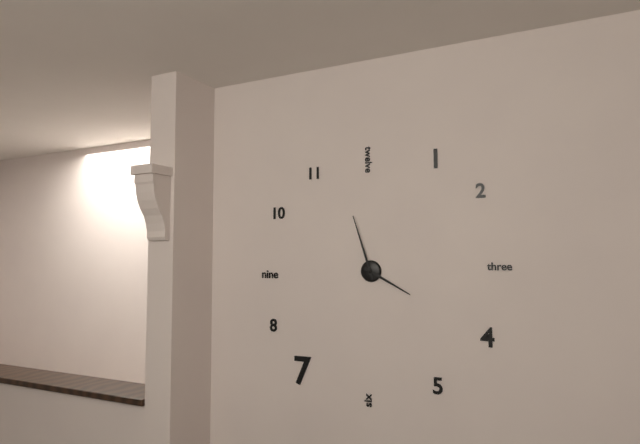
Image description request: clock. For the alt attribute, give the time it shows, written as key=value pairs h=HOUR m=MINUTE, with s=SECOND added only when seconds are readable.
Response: h=3 m=57
